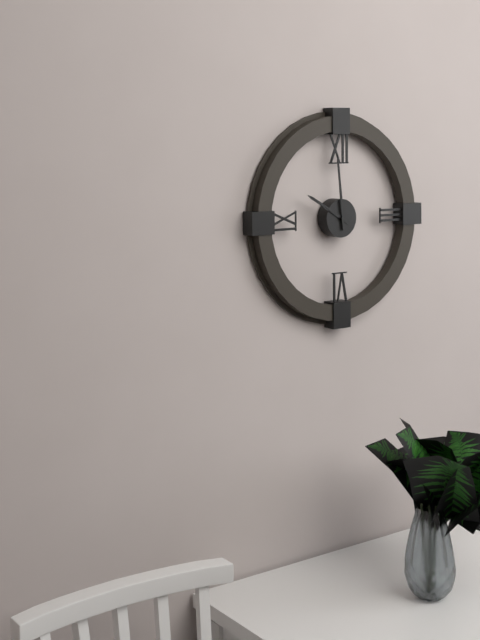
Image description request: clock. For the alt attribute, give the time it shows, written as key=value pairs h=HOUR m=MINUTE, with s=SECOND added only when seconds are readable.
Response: h=9 m=59
